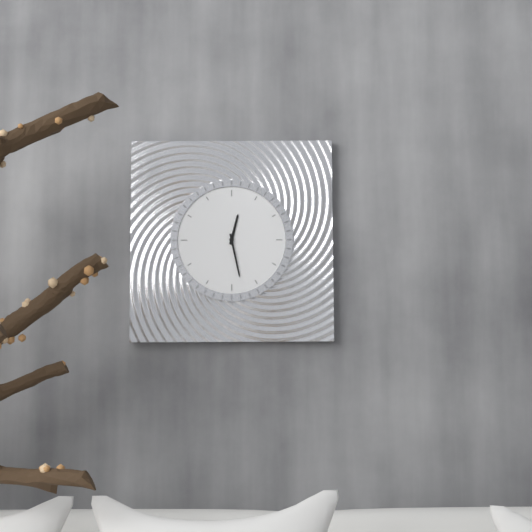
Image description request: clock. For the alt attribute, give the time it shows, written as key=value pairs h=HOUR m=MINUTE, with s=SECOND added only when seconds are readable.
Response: h=12 m=28
